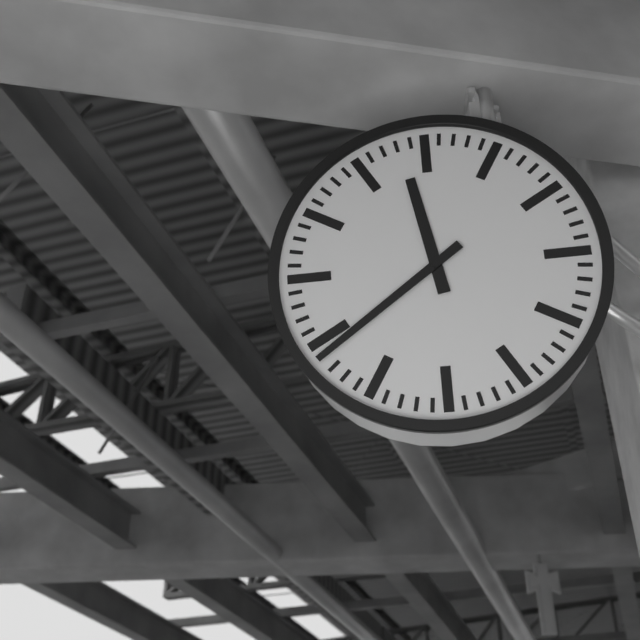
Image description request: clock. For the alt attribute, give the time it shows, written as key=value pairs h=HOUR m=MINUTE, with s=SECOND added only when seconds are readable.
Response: h=11 m=39
